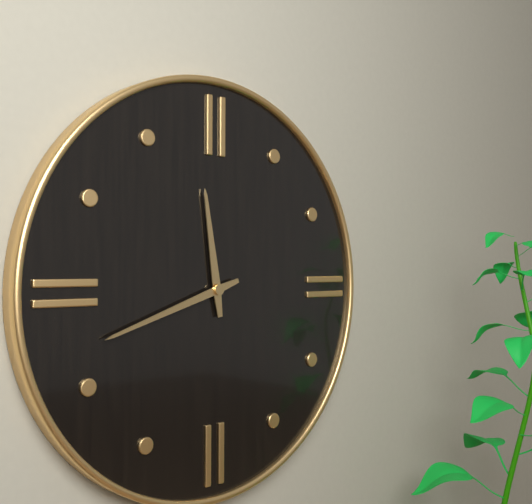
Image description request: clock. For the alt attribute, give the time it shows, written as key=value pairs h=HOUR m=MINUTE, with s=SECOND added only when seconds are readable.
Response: h=11 m=42
